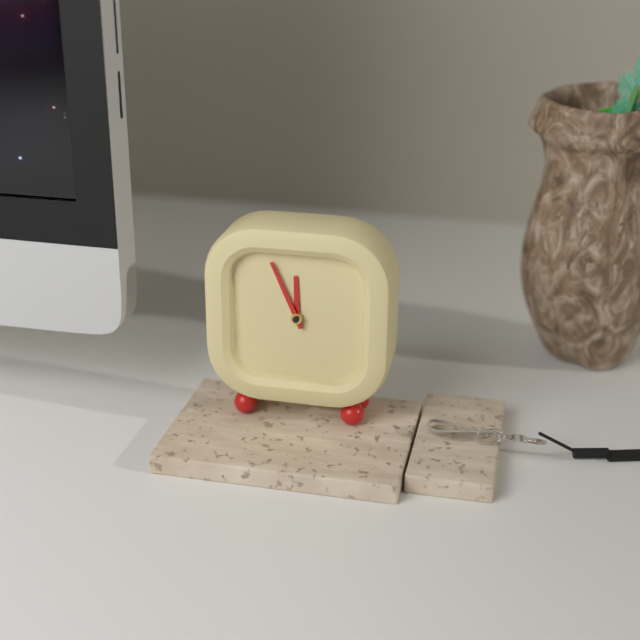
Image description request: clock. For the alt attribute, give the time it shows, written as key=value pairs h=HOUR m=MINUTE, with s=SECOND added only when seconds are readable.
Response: h=11 m=56
